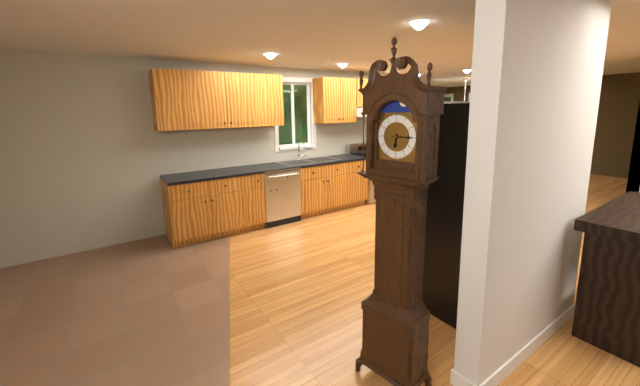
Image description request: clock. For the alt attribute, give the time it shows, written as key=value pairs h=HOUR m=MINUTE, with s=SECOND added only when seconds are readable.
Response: h=6 m=15
